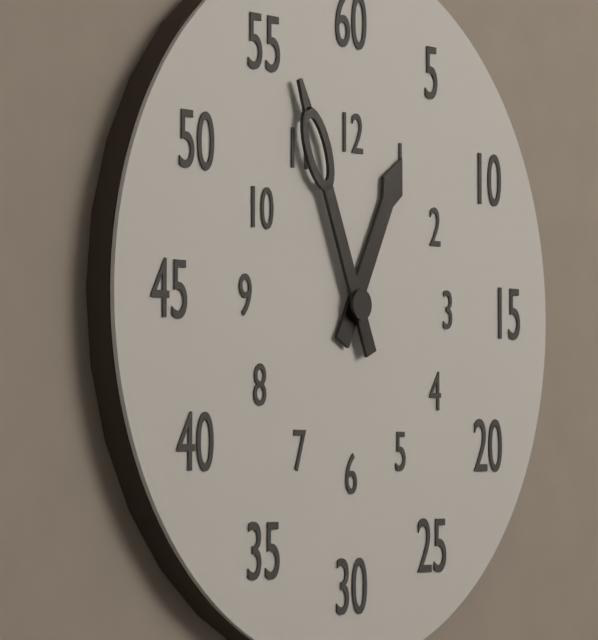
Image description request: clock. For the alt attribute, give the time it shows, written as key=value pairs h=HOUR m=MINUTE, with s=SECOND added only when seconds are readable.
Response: h=12 m=56
